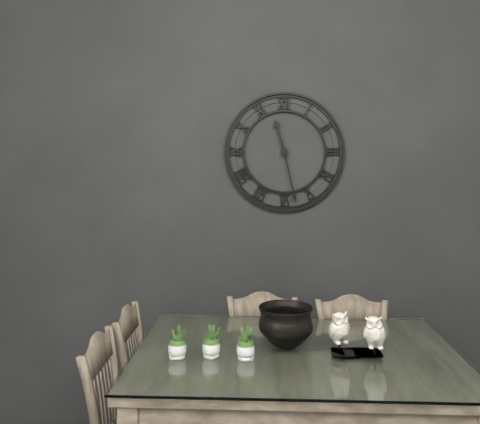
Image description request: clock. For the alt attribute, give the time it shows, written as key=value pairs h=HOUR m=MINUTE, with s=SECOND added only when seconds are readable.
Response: h=11 m=28
